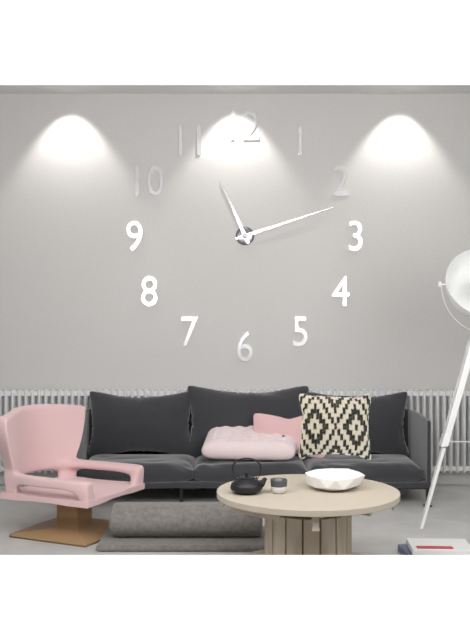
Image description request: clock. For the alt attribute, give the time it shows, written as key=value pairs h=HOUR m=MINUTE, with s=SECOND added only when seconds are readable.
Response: h=11 m=12
